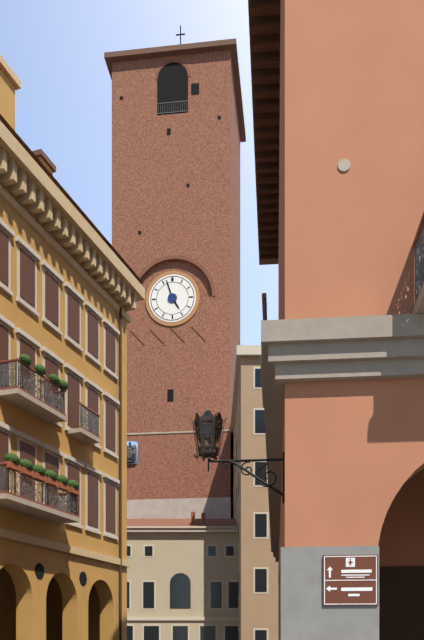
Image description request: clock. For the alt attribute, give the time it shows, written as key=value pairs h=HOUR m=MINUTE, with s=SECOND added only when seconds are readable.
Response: h=4 m=57
